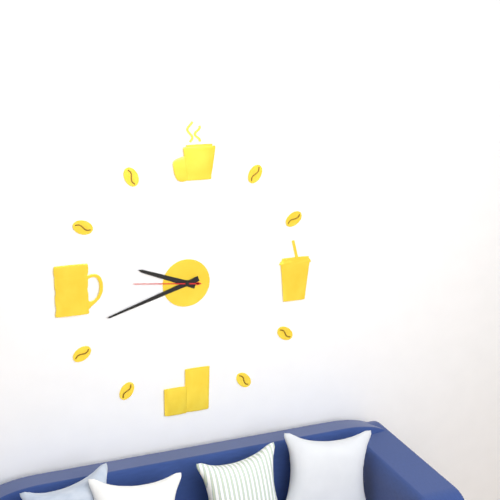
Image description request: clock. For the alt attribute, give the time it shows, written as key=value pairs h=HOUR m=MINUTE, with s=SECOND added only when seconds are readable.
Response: h=9 m=42 s=46
